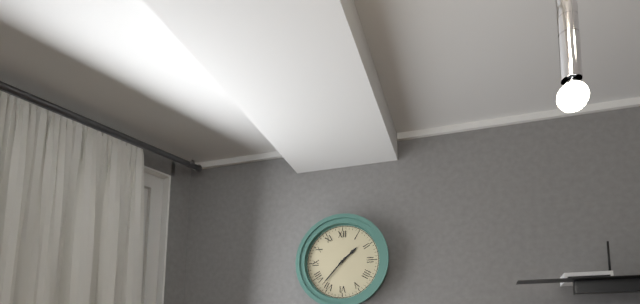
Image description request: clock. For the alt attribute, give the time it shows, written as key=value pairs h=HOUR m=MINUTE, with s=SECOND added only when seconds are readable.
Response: h=1 m=37
